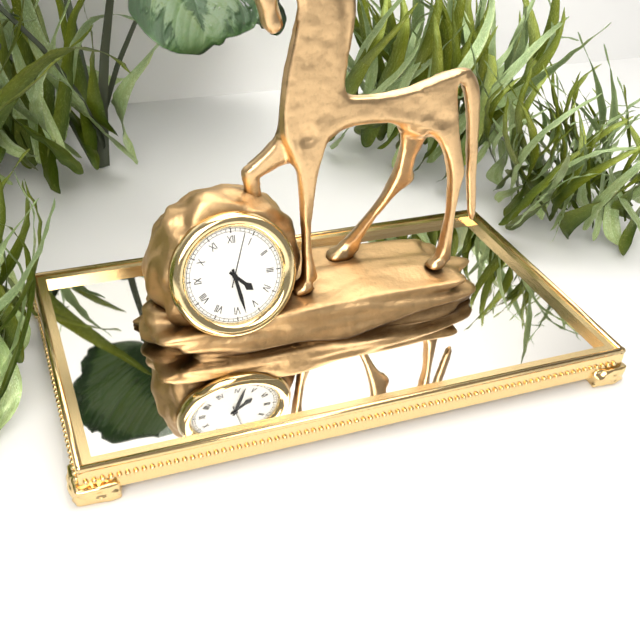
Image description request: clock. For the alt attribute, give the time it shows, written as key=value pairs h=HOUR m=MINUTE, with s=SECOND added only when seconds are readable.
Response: h=4 m=28 s=3
